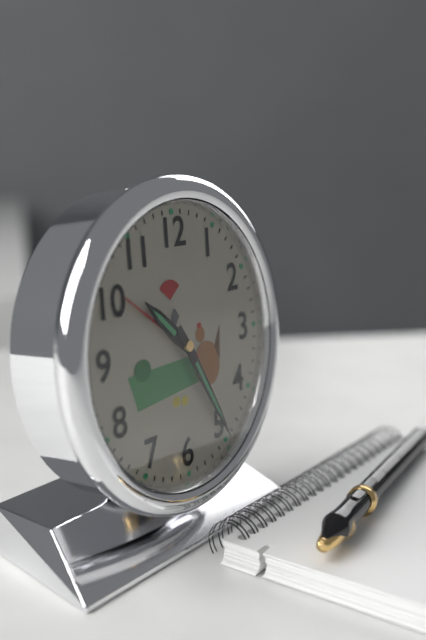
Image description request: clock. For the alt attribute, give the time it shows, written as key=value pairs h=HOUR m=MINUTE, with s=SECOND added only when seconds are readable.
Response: h=10 m=25
